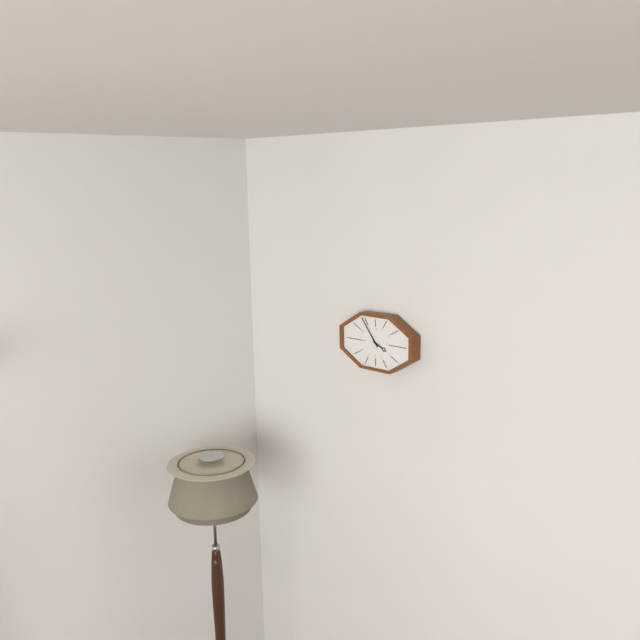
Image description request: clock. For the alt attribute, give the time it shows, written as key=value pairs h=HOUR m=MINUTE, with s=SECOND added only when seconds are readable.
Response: h=3 m=54
